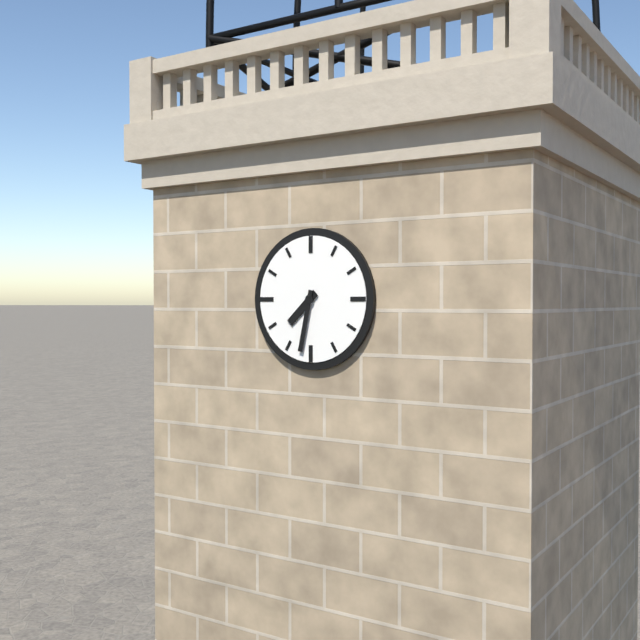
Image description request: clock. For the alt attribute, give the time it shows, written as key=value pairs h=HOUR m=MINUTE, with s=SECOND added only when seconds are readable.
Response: h=7 m=32
